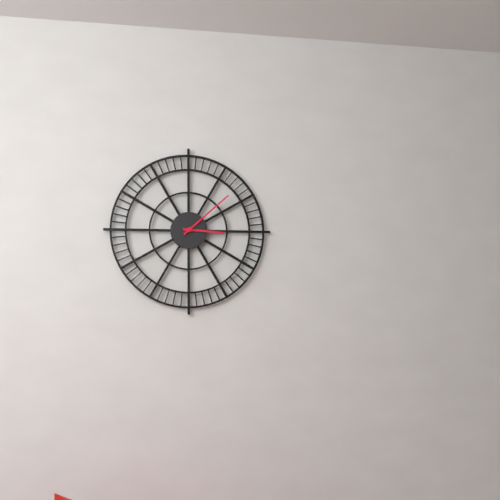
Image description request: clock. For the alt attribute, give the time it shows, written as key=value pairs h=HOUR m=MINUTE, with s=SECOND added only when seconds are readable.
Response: h=3 m=8
